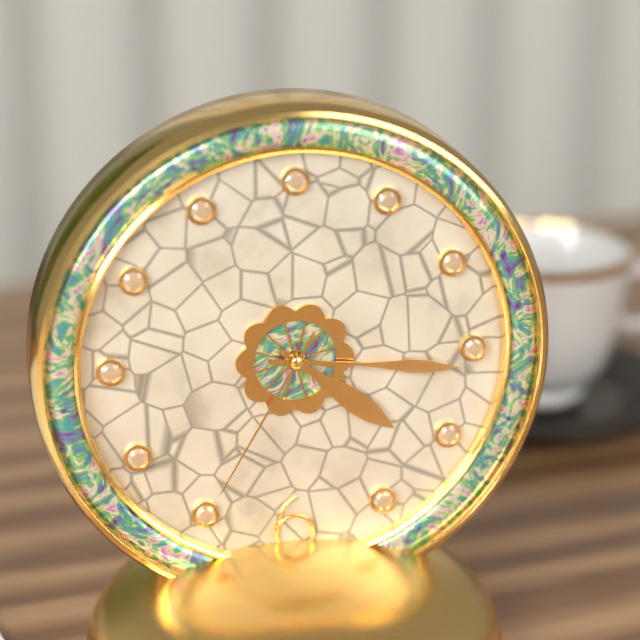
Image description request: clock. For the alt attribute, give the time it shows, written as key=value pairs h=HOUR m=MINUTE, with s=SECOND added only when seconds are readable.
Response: h=4 m=16 s=35
